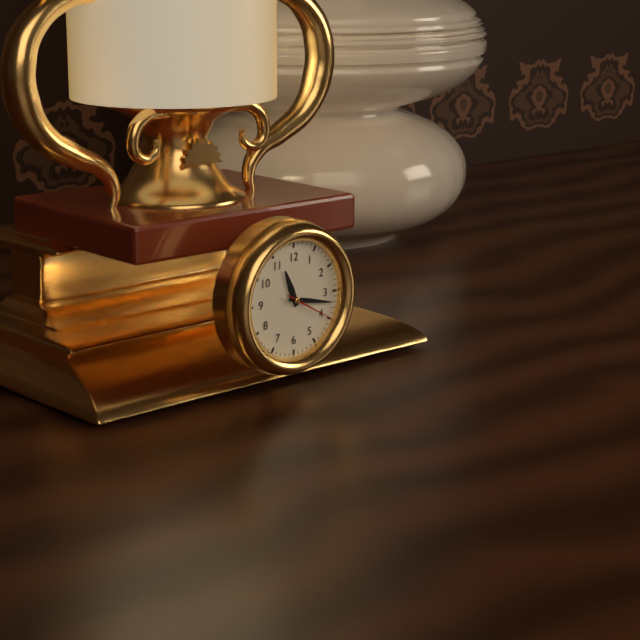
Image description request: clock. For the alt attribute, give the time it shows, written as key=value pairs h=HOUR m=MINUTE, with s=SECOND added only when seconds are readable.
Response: h=11 m=17 s=20
